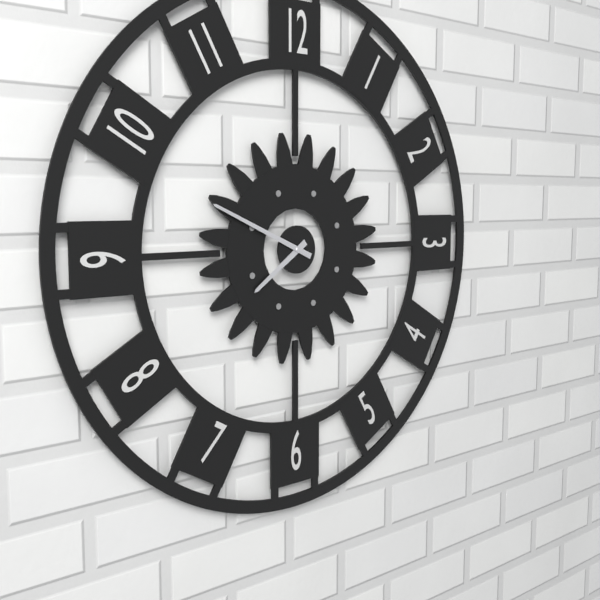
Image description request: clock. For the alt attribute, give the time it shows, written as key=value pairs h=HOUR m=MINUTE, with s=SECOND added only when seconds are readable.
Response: h=7 m=49
